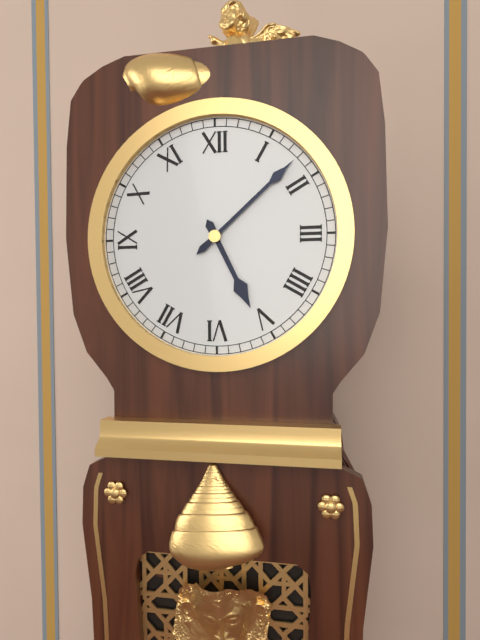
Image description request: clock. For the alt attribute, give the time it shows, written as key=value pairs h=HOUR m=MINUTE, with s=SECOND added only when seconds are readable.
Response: h=5 m=8
